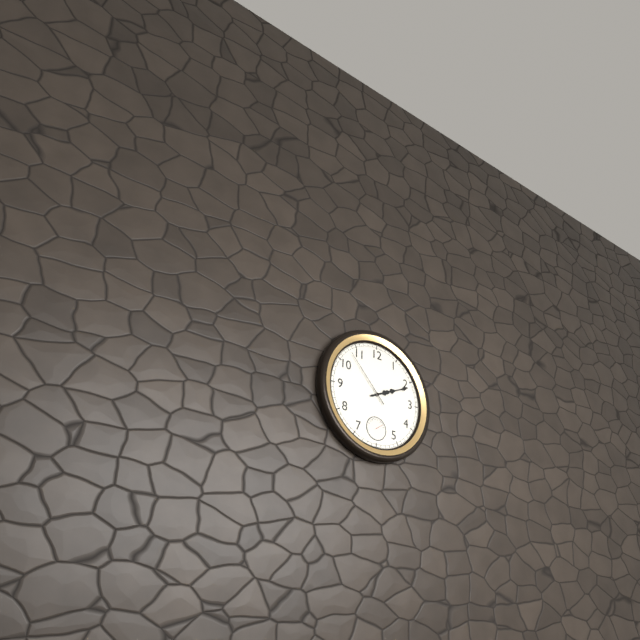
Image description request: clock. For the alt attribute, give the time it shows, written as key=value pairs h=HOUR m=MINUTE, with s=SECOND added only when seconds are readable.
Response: h=2 m=11 s=53
